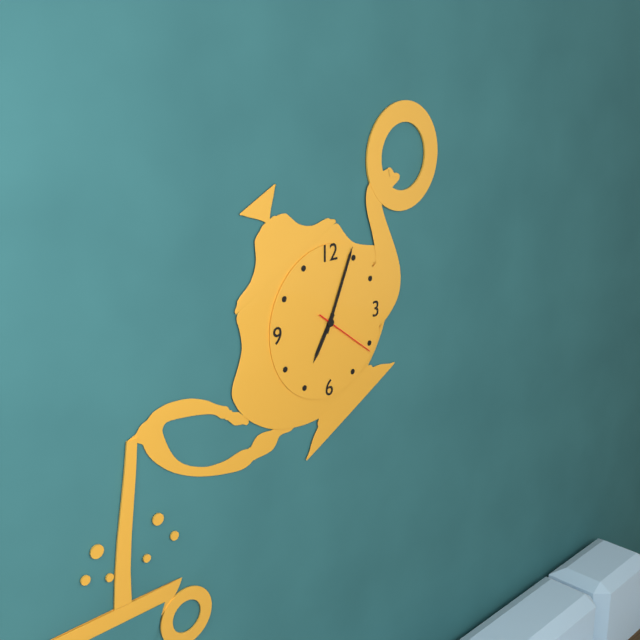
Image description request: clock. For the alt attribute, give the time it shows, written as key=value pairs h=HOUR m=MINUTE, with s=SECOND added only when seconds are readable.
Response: h=7 m=4 s=21
